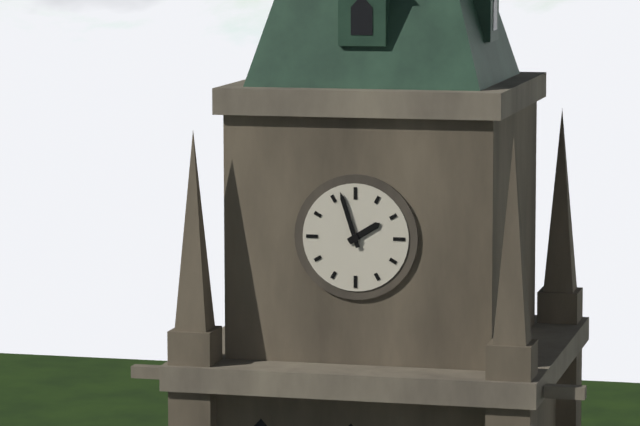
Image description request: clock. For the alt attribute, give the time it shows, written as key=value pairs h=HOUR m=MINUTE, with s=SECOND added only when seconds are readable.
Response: h=1 m=57
